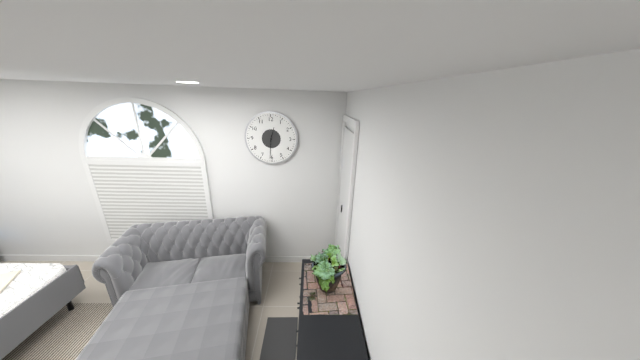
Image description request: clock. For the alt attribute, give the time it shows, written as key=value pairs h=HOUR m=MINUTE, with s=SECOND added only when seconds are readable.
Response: h=12 m=31
